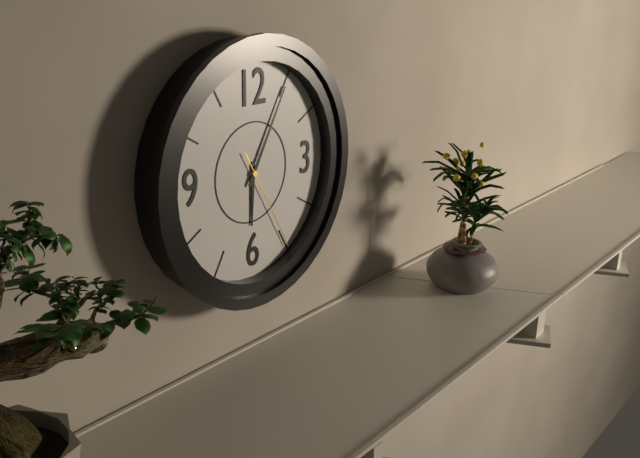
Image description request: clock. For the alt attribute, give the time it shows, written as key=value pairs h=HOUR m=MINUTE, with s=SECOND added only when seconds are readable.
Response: h=6 m=5 s=25
